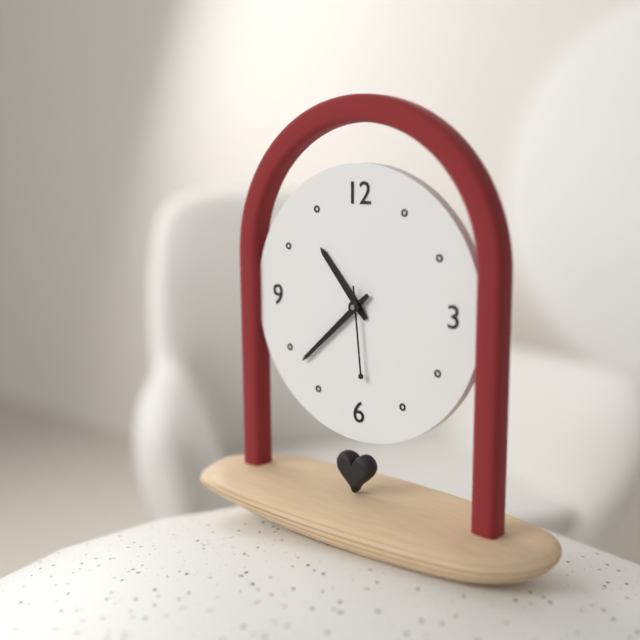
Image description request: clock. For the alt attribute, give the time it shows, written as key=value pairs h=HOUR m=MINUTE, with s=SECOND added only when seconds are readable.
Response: h=10 m=38 s=29
